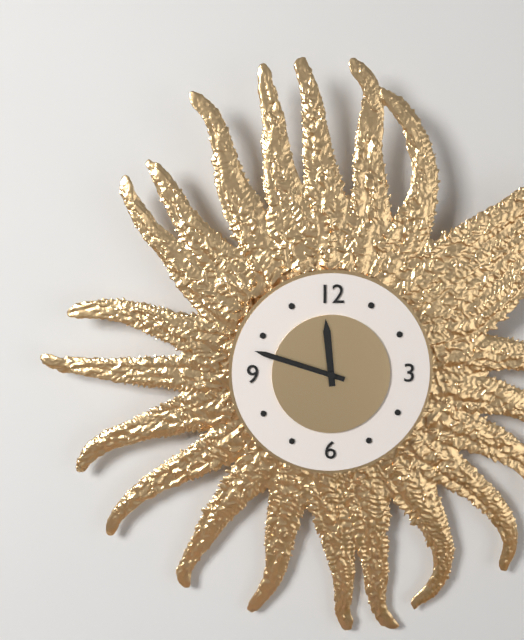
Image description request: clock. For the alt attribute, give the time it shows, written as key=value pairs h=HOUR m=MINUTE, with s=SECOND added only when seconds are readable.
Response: h=11 m=48
